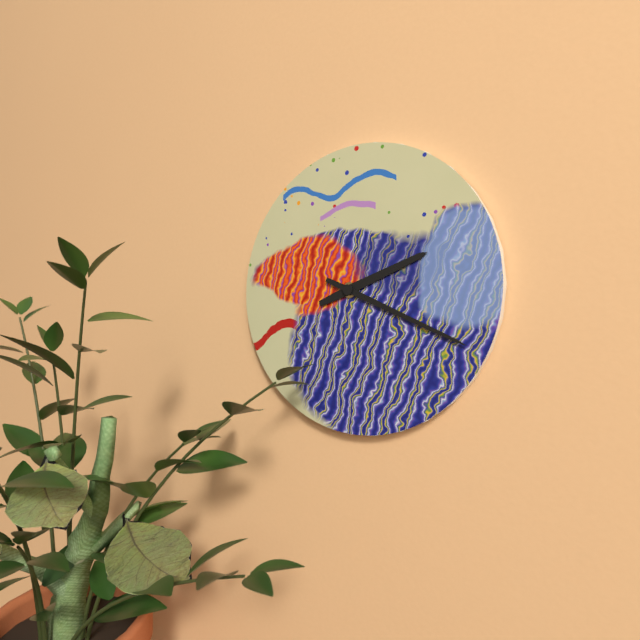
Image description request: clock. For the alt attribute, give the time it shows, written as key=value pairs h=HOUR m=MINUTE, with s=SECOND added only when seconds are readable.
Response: h=2 m=19
